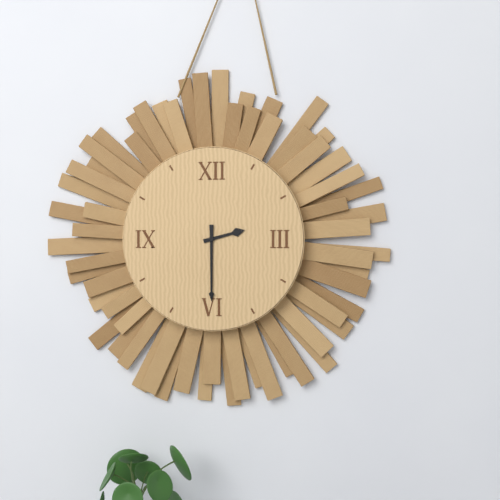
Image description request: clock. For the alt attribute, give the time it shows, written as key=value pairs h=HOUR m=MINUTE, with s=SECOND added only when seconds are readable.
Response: h=2 m=30
